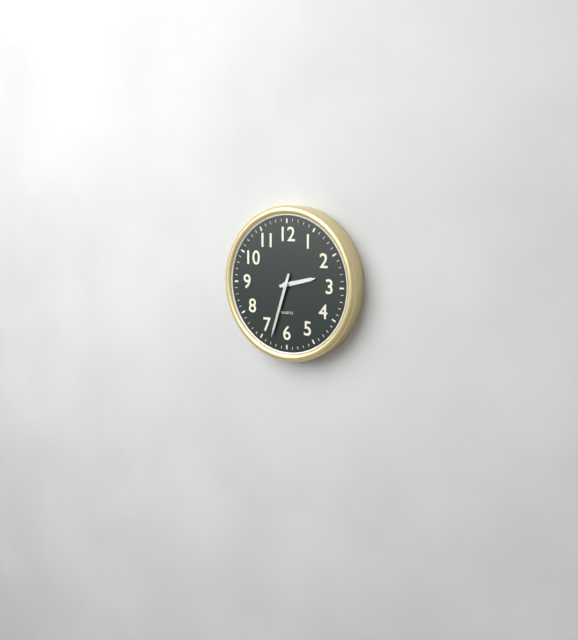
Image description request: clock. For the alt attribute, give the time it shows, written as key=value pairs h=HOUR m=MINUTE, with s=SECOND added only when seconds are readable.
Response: h=2 m=33
